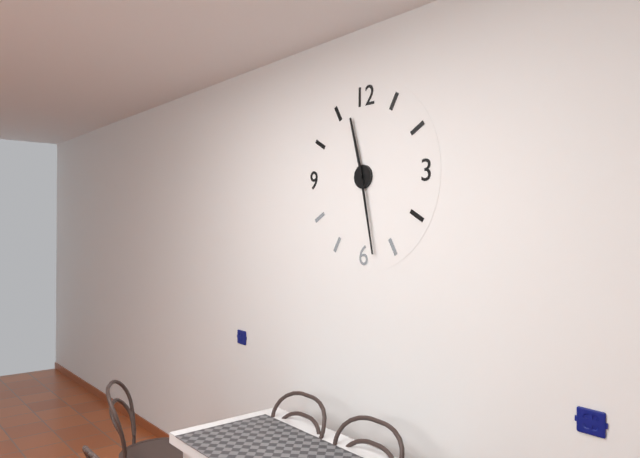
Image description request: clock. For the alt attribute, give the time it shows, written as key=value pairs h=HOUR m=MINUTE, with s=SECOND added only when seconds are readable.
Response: h=11 m=28
